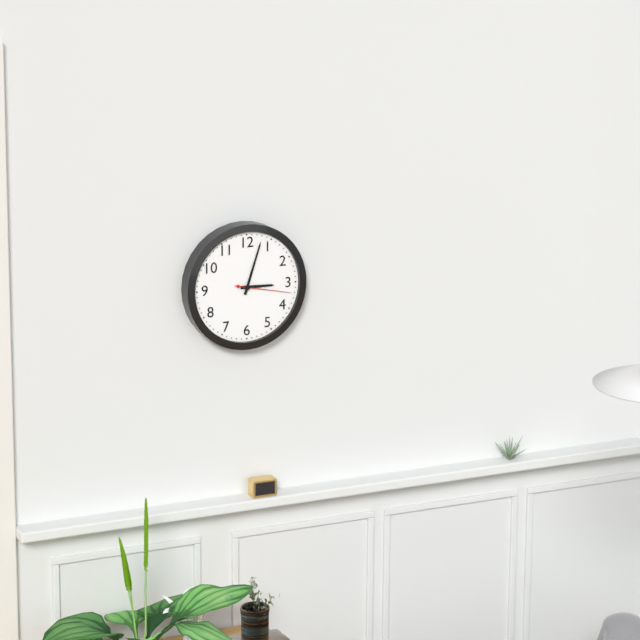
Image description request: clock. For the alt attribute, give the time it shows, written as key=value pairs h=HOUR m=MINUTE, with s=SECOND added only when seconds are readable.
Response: h=3 m=3 s=17
